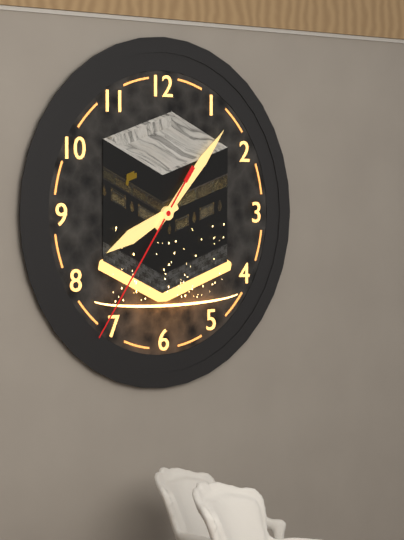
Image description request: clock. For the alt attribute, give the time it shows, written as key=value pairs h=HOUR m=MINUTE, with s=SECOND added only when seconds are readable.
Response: h=8 m=7 s=36
